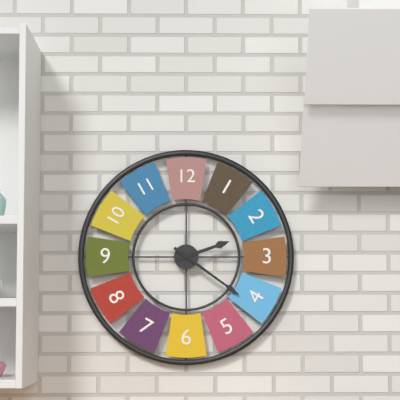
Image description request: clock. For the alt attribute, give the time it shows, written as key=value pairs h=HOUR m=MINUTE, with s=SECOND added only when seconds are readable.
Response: h=2 m=21
